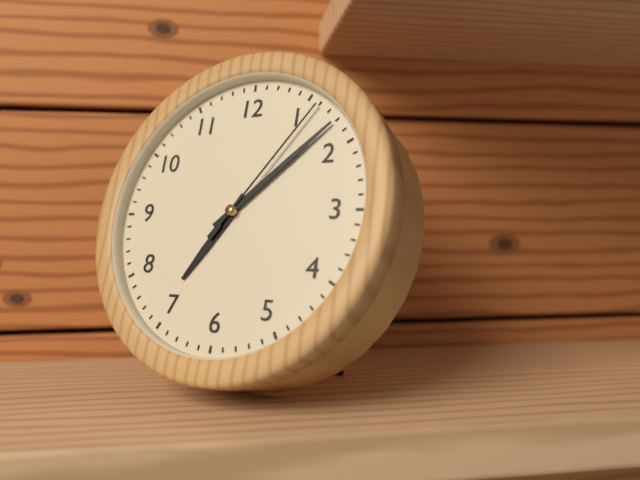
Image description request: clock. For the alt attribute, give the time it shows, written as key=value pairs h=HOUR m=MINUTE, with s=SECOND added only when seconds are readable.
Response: h=7 m=8 s=6
